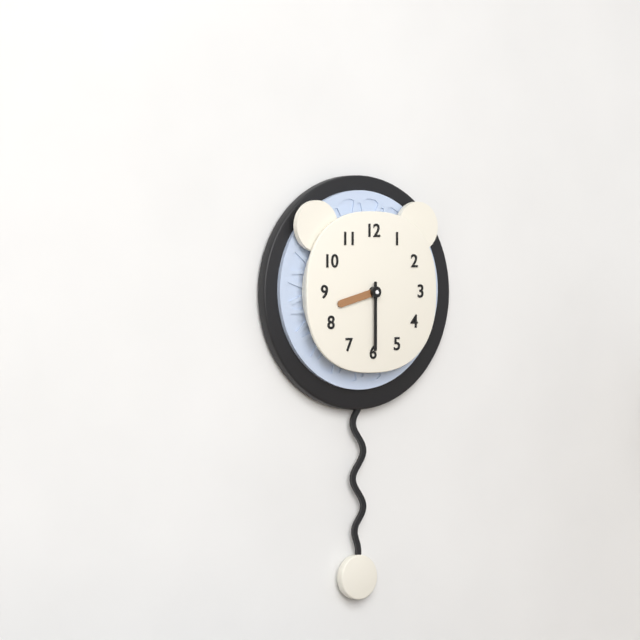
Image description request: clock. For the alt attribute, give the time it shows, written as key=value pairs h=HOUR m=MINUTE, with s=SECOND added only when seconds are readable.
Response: h=8 m=30
